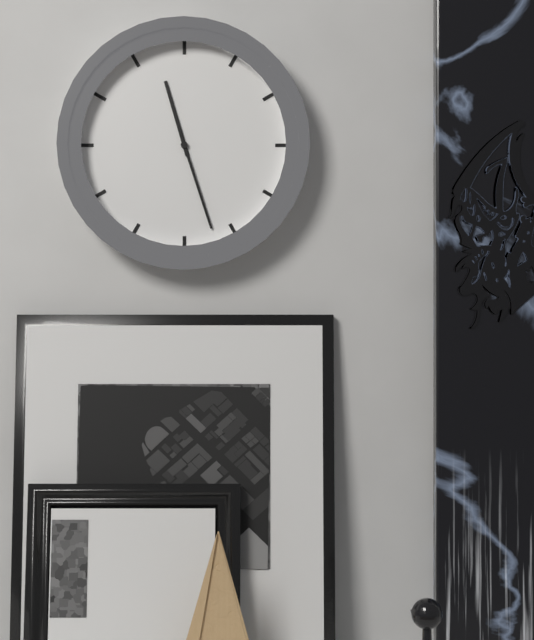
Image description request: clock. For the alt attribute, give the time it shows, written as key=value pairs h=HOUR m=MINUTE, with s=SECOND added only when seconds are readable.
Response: h=11 m=27
